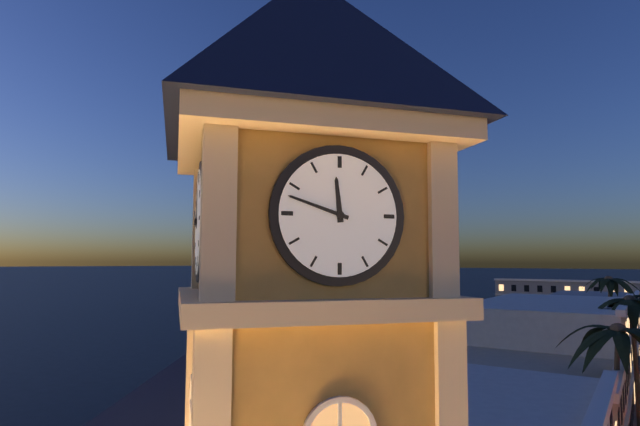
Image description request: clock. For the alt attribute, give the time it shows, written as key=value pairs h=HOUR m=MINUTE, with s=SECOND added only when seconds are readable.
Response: h=11 m=48
